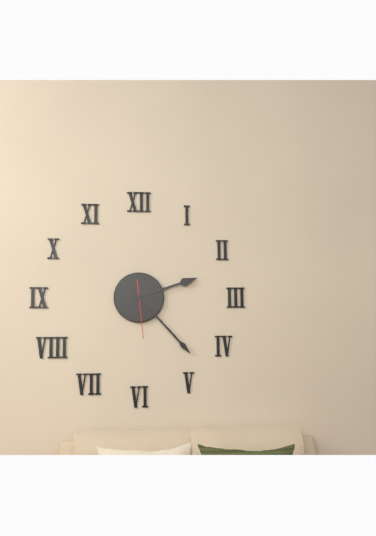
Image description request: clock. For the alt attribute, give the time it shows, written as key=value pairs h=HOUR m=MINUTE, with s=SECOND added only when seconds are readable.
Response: h=2 m=23 s=29
